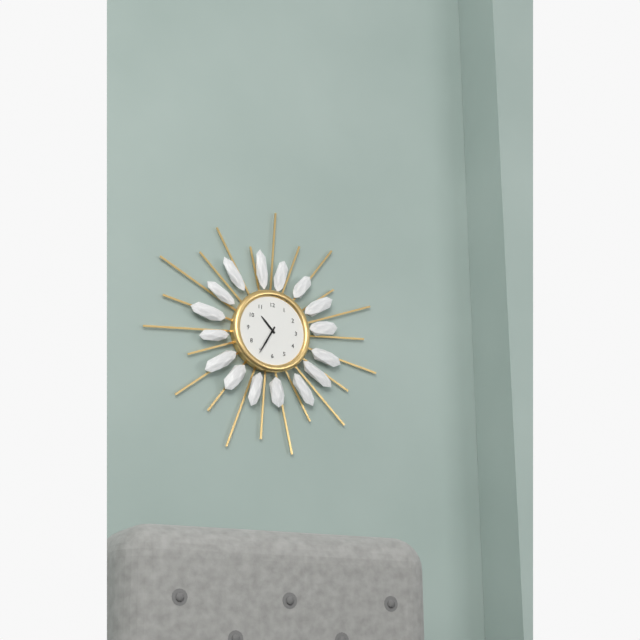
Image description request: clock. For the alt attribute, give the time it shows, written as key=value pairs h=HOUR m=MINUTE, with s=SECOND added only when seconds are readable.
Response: h=10 m=35
